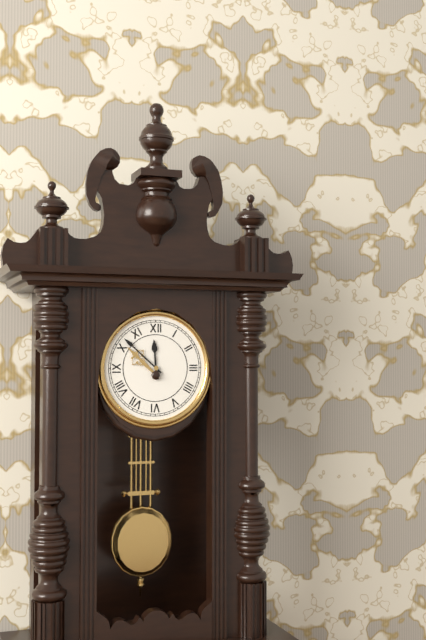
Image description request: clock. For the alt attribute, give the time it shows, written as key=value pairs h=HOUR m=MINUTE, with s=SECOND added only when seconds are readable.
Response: h=11 m=52
